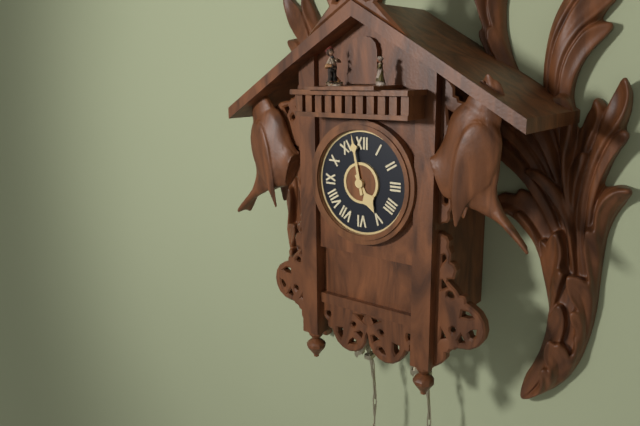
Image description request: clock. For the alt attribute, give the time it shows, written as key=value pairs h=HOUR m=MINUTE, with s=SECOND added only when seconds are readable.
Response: h=4 m=58
